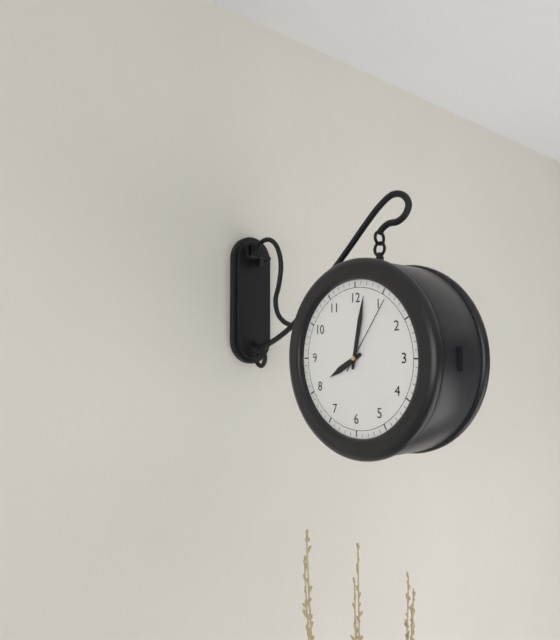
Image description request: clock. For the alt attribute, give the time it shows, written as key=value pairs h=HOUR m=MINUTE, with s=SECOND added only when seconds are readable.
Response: h=8 m=2 s=6
